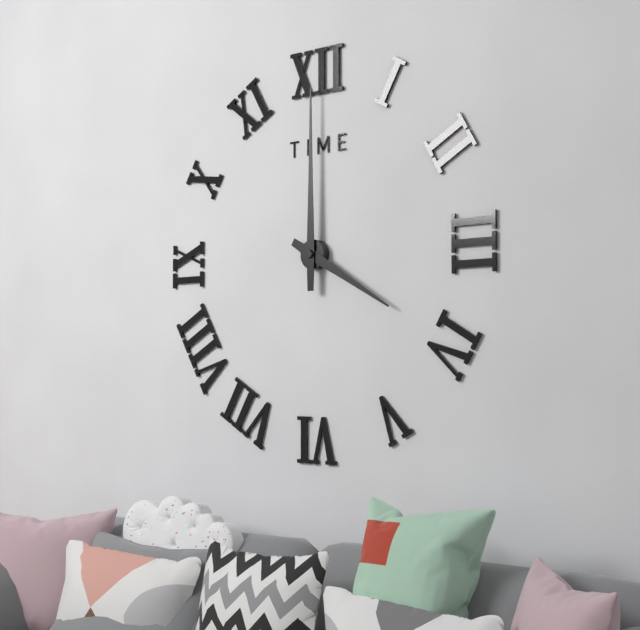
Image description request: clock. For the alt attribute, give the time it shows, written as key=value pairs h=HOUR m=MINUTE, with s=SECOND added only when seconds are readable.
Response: h=4 m=0
